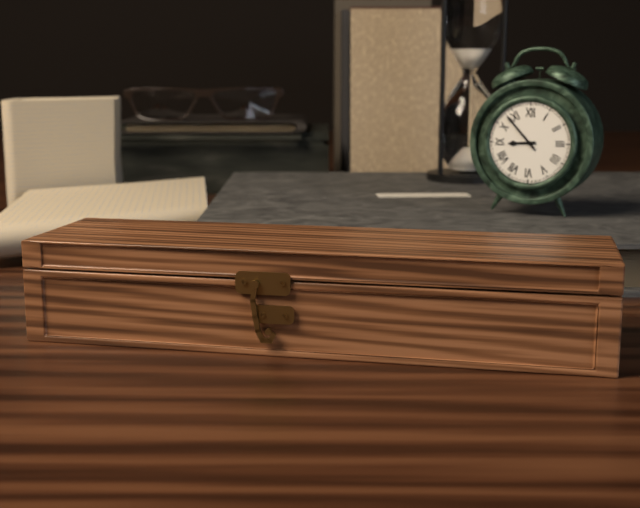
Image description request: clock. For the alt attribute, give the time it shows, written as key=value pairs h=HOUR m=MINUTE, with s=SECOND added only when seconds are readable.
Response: h=8 m=53
